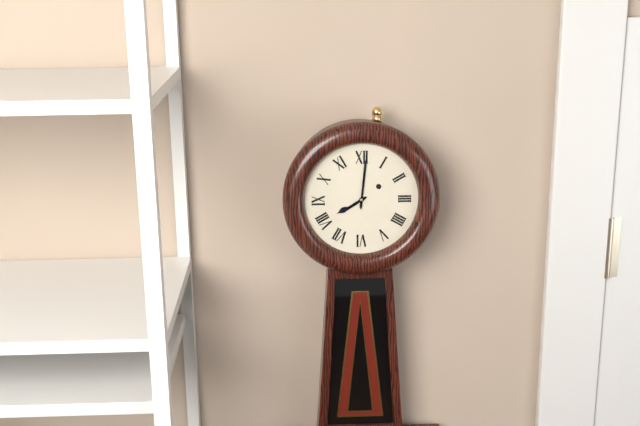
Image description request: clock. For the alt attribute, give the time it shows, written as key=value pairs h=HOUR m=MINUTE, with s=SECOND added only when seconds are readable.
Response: h=8 m=1
